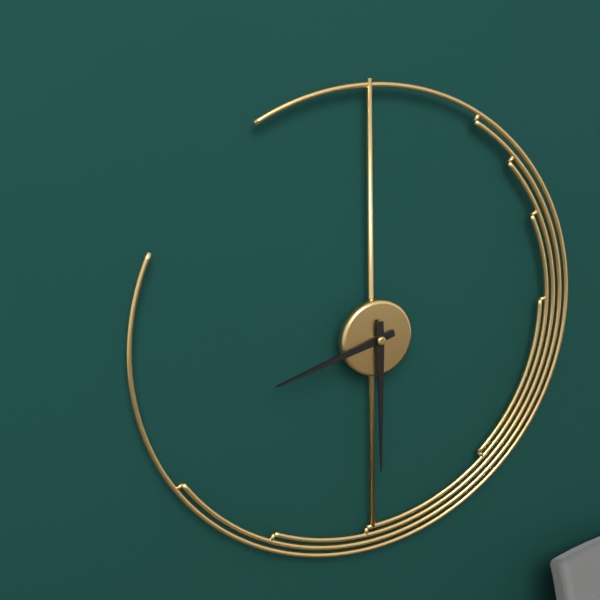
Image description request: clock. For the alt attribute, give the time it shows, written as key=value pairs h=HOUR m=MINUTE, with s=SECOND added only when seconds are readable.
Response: h=8 m=30
